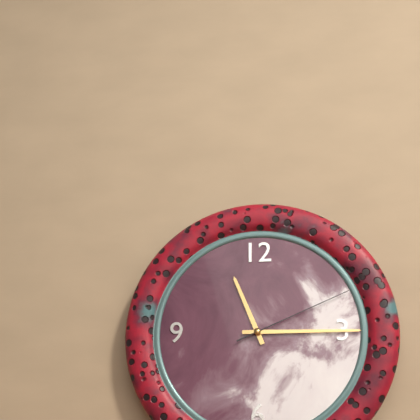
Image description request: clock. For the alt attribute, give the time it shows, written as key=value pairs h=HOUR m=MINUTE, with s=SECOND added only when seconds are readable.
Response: h=11 m=15 s=11
